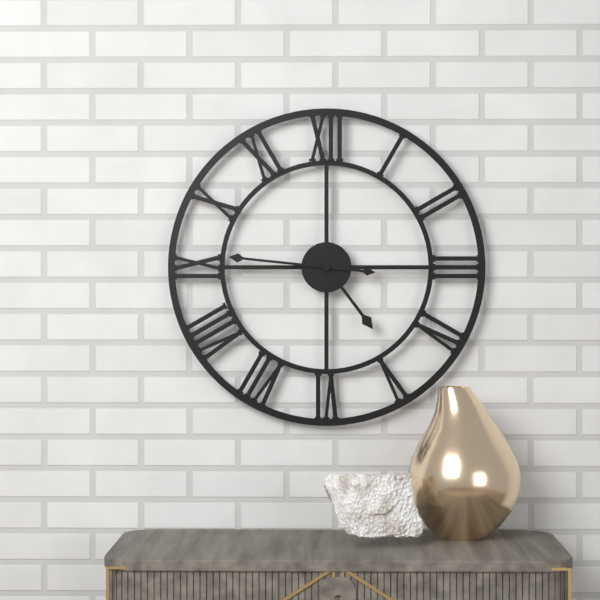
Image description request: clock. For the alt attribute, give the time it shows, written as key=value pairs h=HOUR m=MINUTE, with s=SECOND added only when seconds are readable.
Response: h=4 m=46
